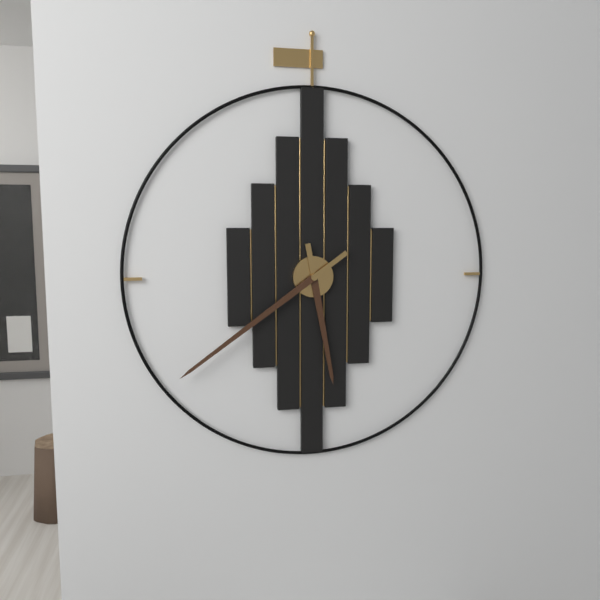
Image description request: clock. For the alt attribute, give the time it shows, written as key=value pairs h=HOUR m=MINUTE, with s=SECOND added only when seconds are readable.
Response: h=5 m=39
